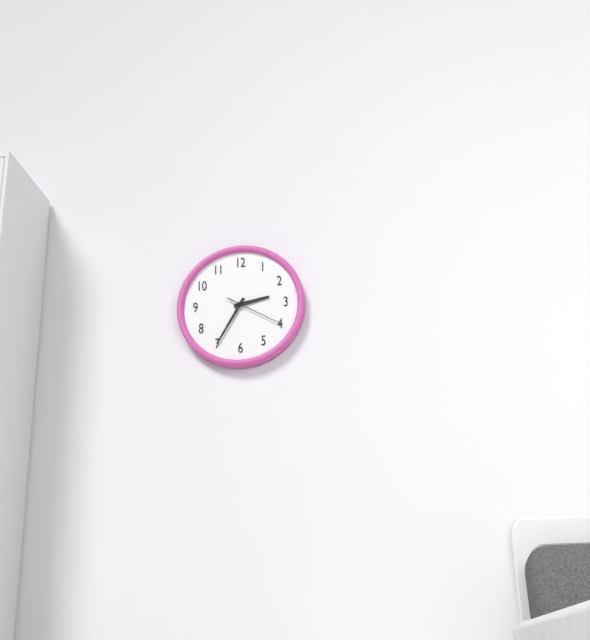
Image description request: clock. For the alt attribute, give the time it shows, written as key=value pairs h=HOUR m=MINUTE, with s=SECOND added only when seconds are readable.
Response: h=2 m=35 s=20
